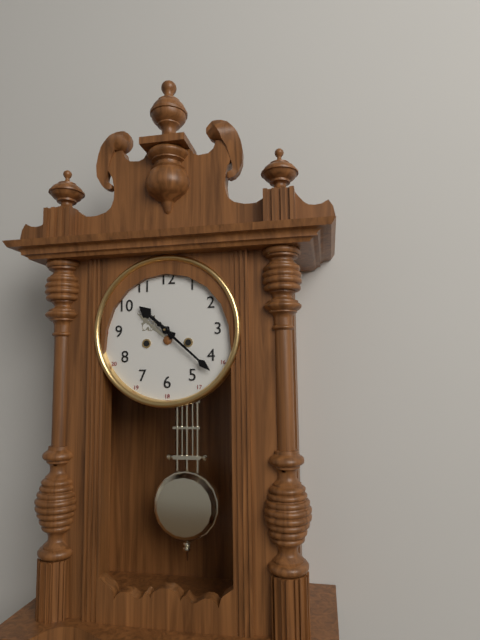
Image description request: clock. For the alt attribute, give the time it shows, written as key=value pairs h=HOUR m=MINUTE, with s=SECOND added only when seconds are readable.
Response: h=10 m=22
